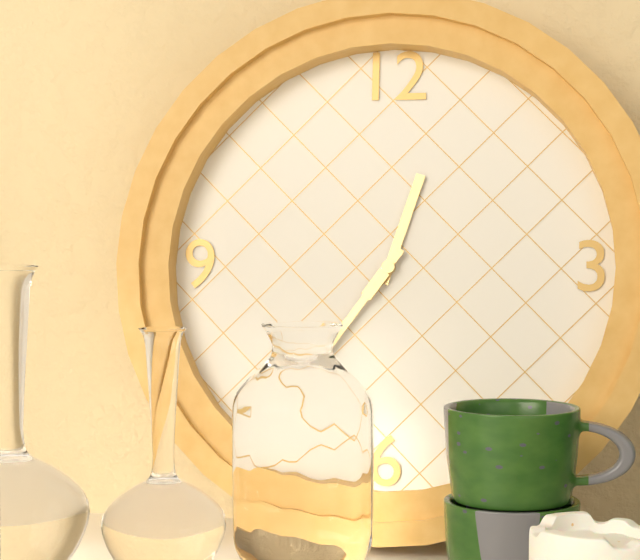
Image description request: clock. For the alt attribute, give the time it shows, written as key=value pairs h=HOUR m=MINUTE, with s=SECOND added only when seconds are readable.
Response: h=12 m=36
